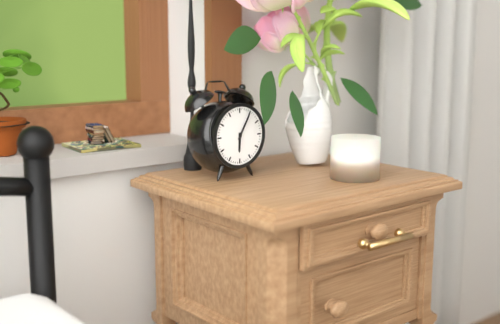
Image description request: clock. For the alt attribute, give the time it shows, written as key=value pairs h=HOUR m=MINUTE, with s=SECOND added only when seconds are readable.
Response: h=6 m=5
